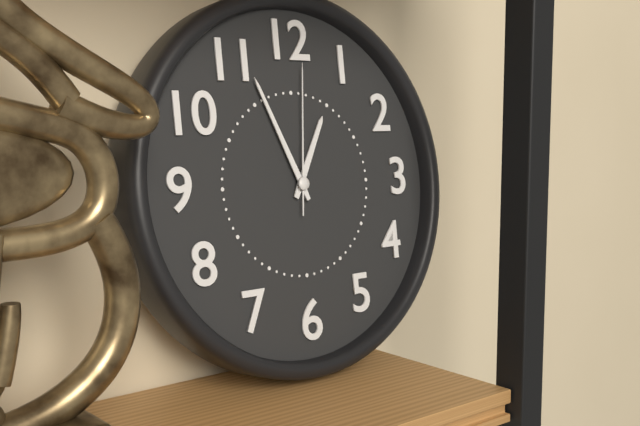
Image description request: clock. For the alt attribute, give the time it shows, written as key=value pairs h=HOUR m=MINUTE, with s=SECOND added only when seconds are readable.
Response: h=12 m=56 s=1
